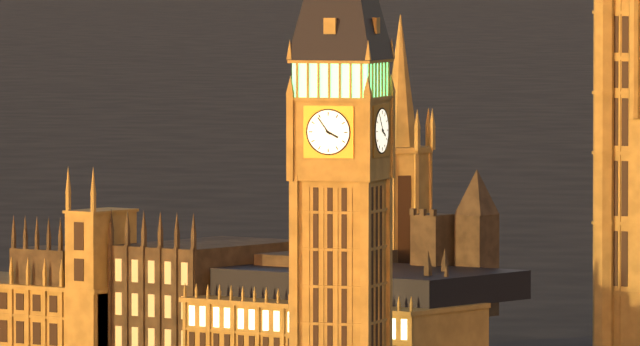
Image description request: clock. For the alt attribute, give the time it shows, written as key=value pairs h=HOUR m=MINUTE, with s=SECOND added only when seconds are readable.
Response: h=3 m=54
